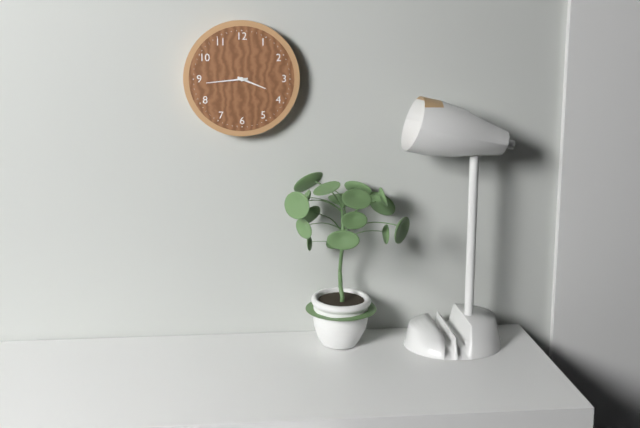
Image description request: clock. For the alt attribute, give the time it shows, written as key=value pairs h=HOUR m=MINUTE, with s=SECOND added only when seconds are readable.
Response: h=3 m=44
